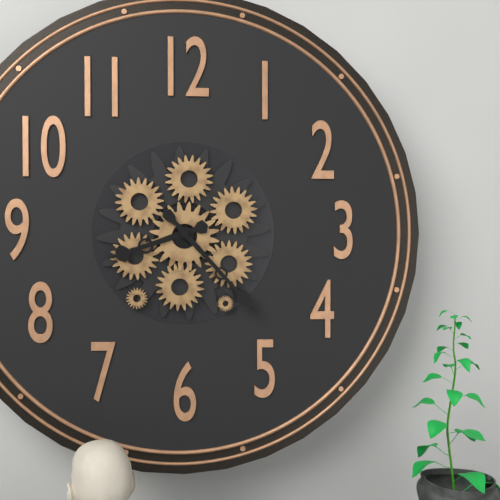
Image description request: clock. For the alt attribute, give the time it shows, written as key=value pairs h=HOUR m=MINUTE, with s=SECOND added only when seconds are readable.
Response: h=8 m=23
